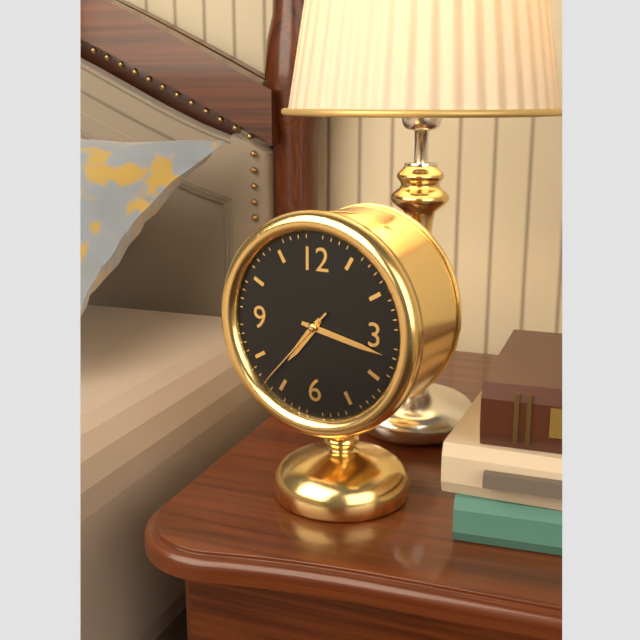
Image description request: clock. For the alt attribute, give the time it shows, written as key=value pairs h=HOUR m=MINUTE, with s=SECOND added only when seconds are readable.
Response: h=7 m=17 s=37
